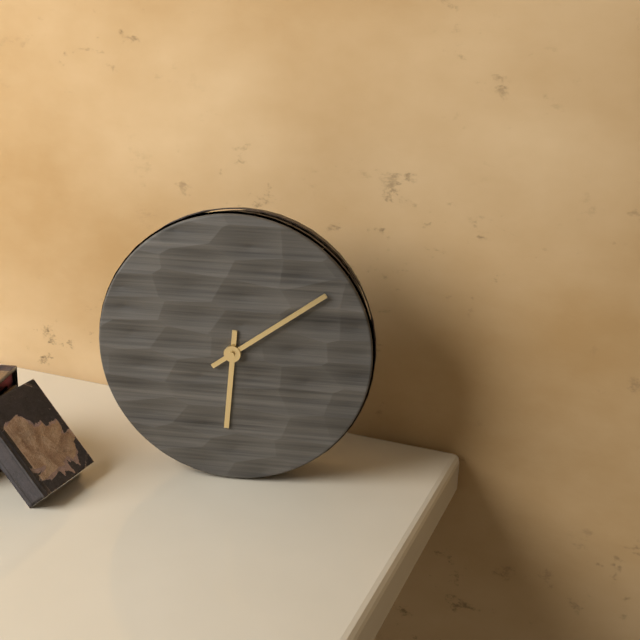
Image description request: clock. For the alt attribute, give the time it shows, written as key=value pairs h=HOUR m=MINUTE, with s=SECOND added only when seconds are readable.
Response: h=6 m=9
